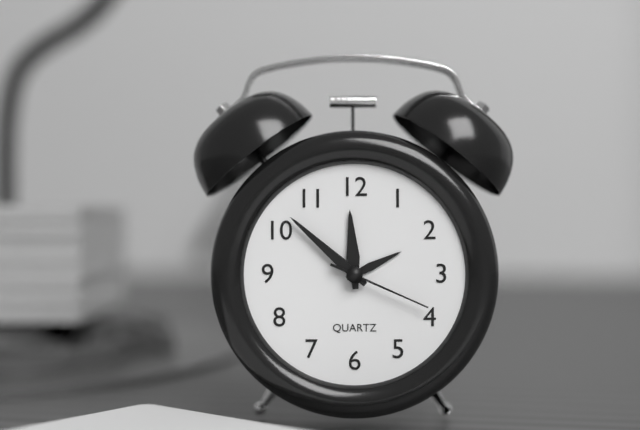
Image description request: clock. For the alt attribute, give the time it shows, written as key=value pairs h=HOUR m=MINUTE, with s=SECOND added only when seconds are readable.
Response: h=11 m=52 s=19
